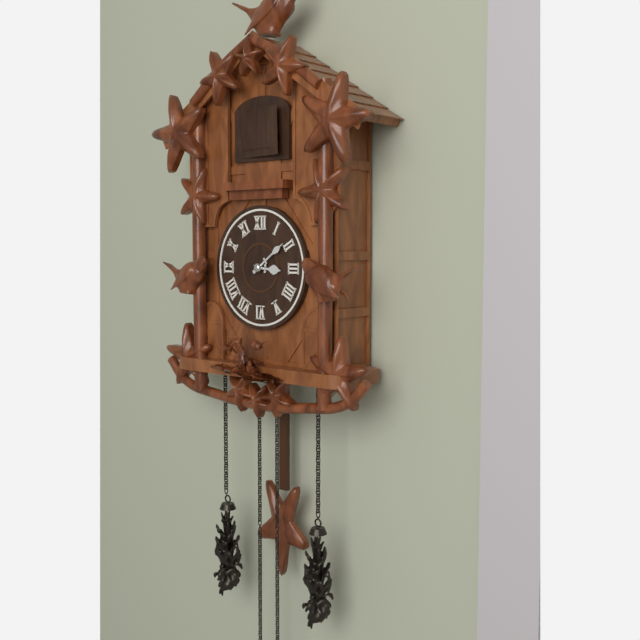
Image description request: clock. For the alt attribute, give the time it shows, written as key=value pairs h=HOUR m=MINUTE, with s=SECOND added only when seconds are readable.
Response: h=3 m=9
